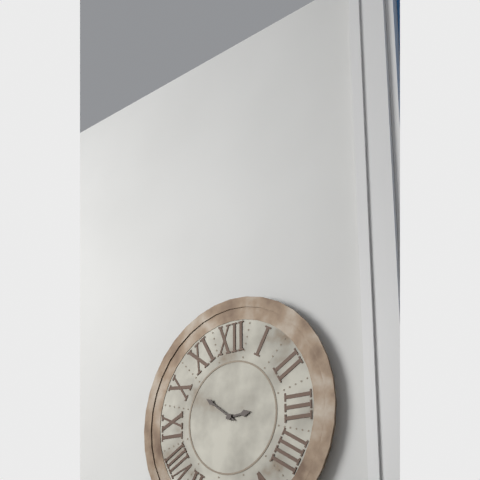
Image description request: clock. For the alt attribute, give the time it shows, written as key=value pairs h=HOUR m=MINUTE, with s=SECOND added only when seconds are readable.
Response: h=2 m=51
